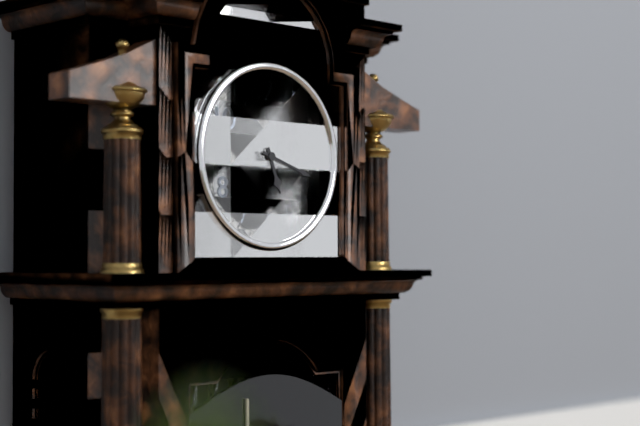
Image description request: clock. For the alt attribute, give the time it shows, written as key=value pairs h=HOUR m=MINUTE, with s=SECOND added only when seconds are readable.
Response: h=5 m=18
